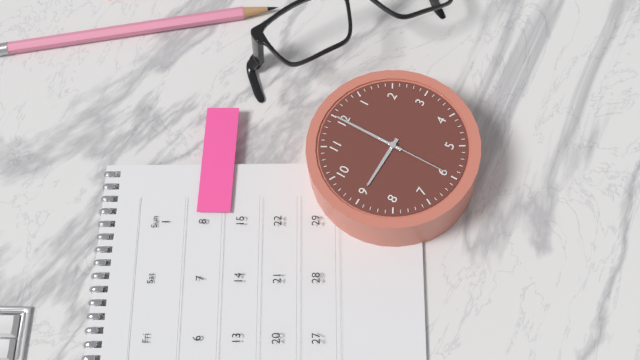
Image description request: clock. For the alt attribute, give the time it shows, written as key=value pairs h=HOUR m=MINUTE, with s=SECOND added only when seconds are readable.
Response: h=9 m=0 s=30
